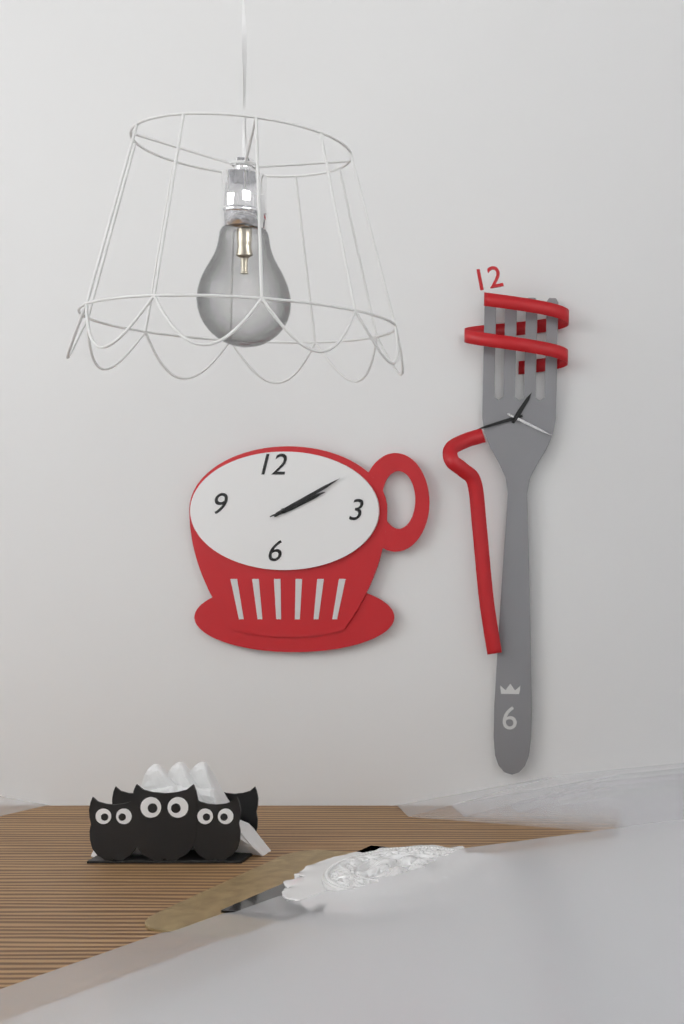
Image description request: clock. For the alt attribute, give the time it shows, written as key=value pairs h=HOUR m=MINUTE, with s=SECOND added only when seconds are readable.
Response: h=2 m=10 s=11
